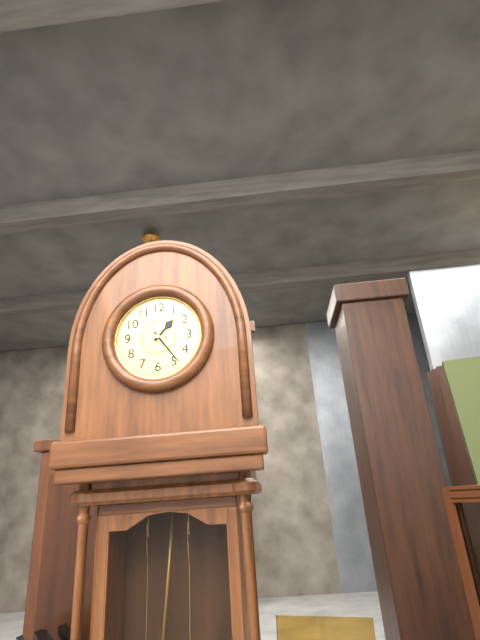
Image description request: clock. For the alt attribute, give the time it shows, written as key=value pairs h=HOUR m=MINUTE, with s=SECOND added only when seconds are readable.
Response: h=1 m=24
